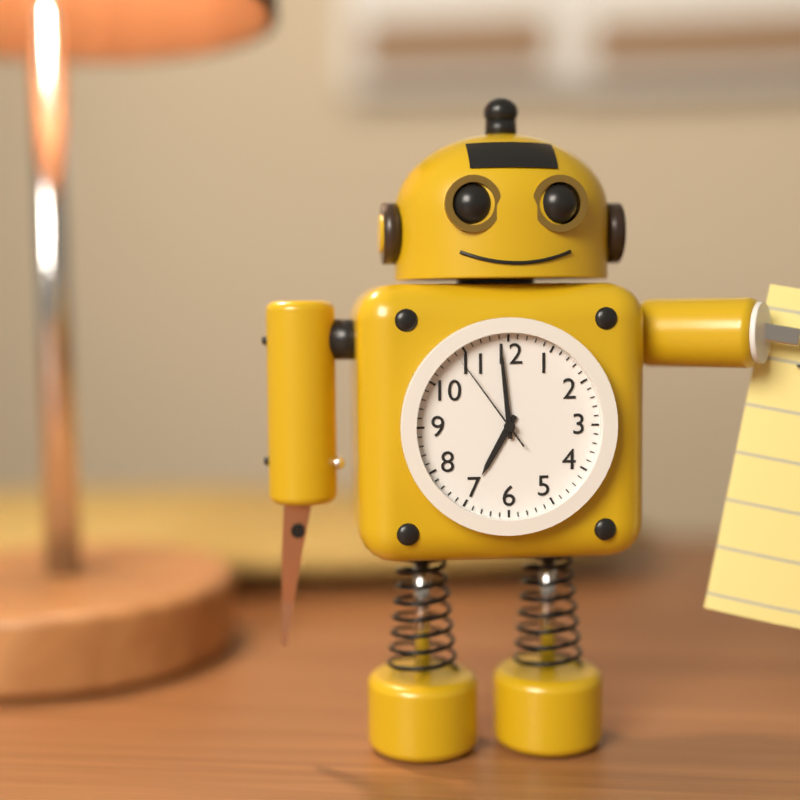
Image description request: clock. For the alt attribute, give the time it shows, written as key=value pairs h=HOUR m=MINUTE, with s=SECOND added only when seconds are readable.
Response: h=6 m=59 s=54
